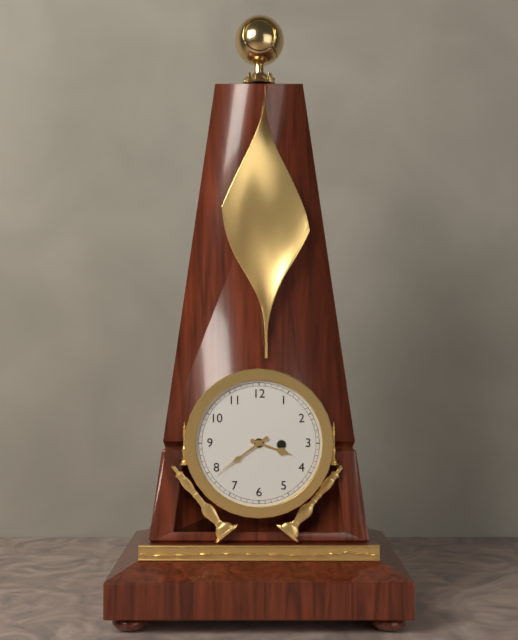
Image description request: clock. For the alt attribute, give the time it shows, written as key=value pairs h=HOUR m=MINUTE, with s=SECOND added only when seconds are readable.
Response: h=3 m=39
